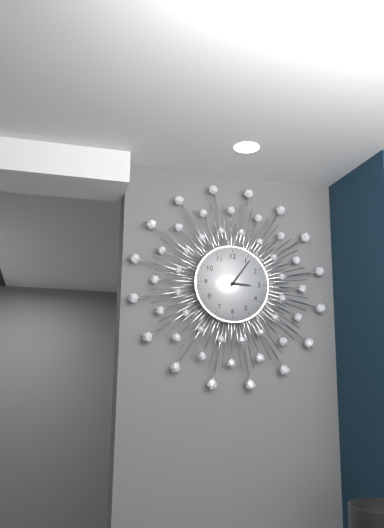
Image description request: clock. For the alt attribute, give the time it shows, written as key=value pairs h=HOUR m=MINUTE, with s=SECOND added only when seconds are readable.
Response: h=3 m=6
